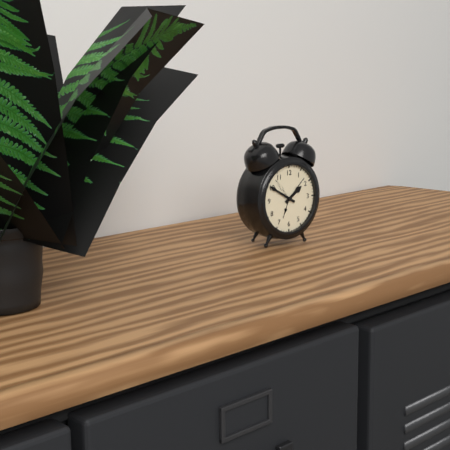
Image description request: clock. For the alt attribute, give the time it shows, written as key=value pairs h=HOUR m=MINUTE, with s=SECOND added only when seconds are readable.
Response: h=1 m=50
